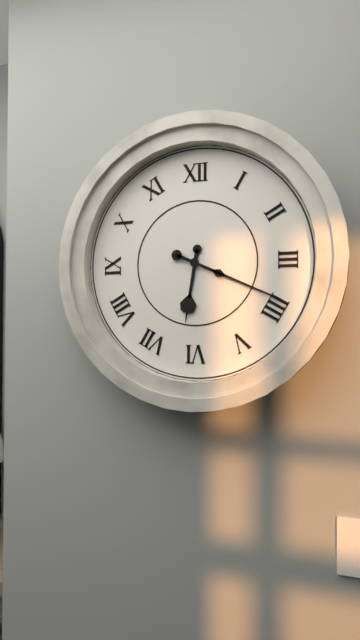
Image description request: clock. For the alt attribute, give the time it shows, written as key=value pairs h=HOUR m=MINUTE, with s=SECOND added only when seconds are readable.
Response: h=6 m=19
